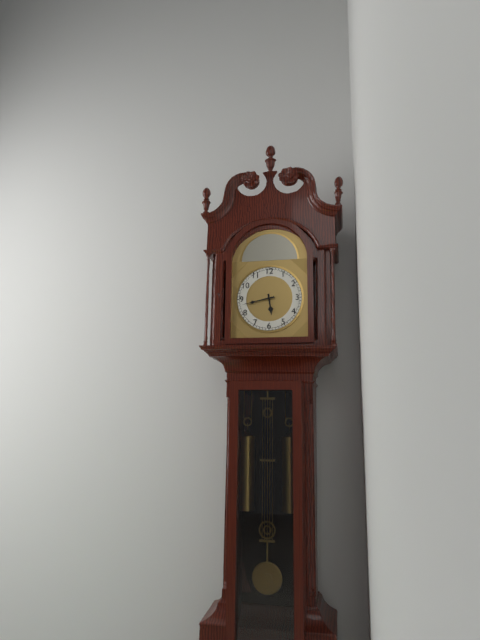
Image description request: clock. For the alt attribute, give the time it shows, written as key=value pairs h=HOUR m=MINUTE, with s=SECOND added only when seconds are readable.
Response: h=5 m=43
